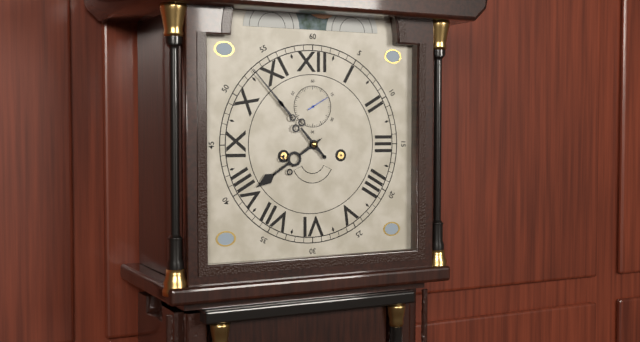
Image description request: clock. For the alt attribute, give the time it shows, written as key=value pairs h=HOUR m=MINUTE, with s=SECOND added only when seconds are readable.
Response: h=7 m=53
